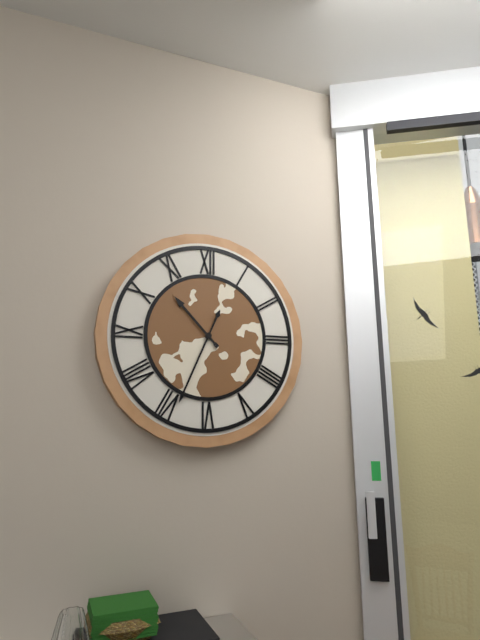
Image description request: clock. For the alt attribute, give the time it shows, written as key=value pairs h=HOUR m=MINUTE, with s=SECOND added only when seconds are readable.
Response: h=10 m=34
